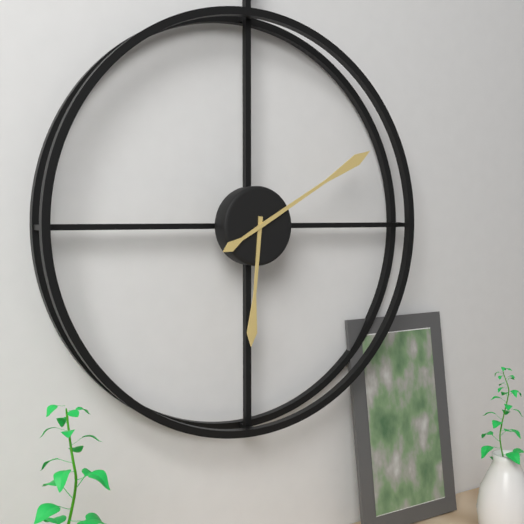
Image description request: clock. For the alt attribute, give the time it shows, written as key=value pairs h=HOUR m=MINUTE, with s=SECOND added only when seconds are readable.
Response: h=6 m=10
